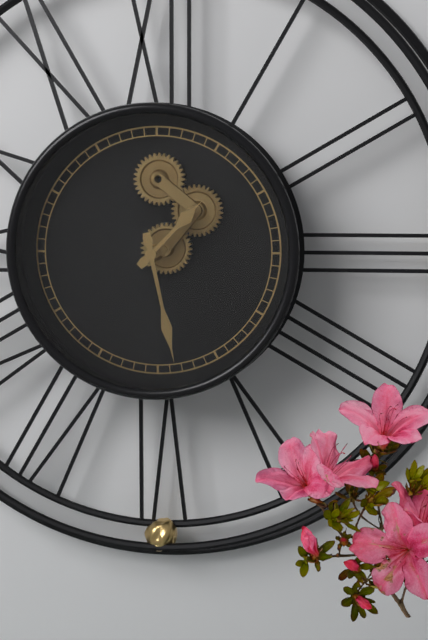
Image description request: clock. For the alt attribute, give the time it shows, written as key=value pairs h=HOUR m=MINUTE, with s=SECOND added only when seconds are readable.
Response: h=1 m=28
